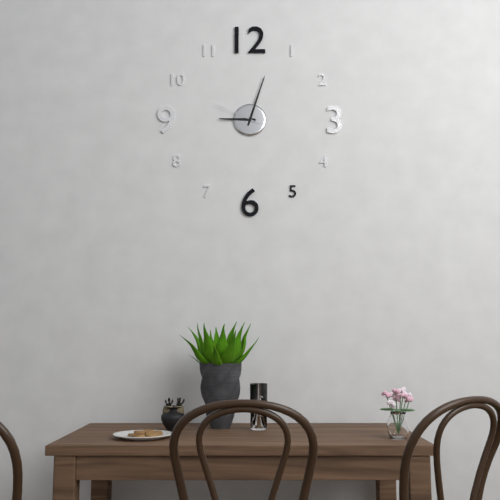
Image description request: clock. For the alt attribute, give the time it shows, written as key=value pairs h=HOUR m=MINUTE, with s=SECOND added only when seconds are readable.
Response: h=9 m=3 s=49
